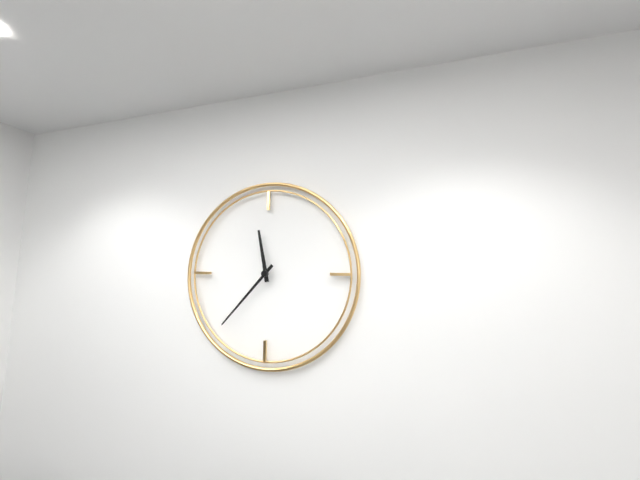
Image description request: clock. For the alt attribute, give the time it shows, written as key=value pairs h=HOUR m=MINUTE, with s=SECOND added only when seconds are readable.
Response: h=11 m=37
